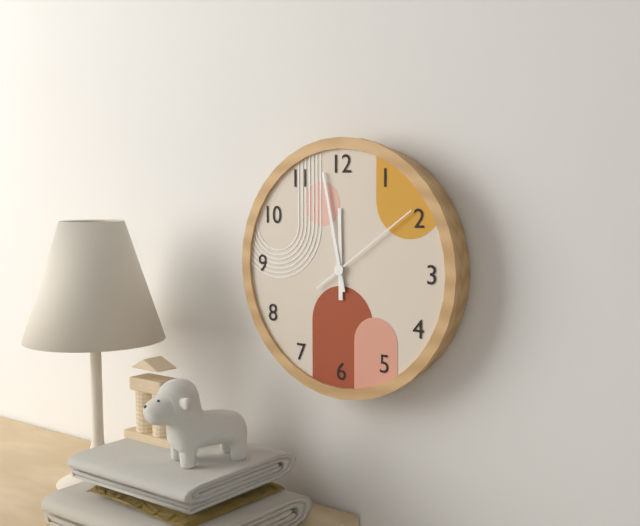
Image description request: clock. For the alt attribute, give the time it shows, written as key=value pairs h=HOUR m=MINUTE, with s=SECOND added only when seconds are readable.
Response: h=11 m=58 s=9
